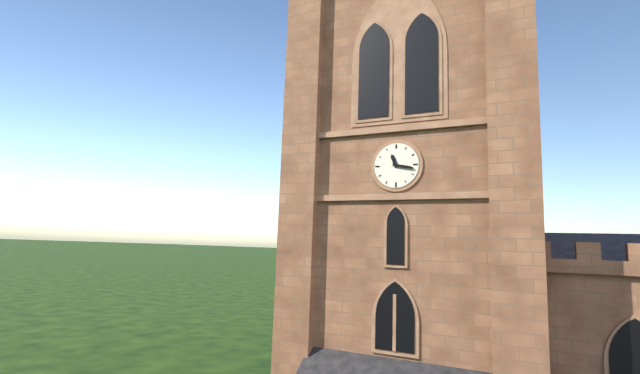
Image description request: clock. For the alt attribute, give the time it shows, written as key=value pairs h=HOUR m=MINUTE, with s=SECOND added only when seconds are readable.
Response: h=11 m=17
